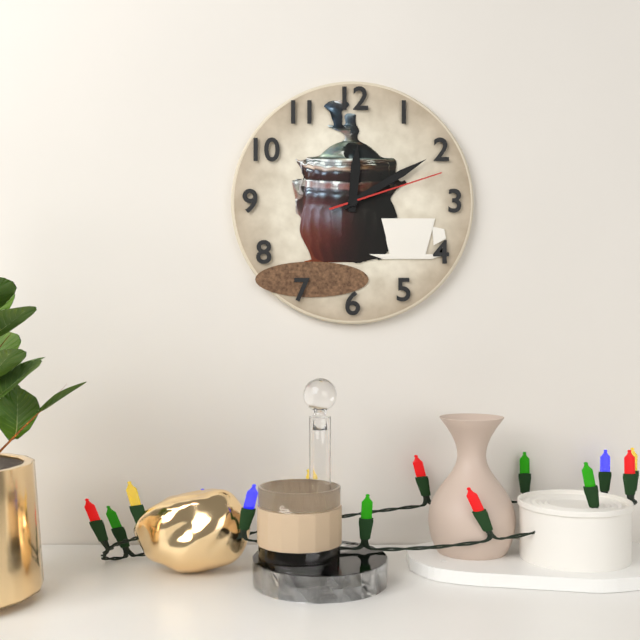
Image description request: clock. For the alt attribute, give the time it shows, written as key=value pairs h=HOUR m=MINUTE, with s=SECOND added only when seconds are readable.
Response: h=12 m=10 s=12
